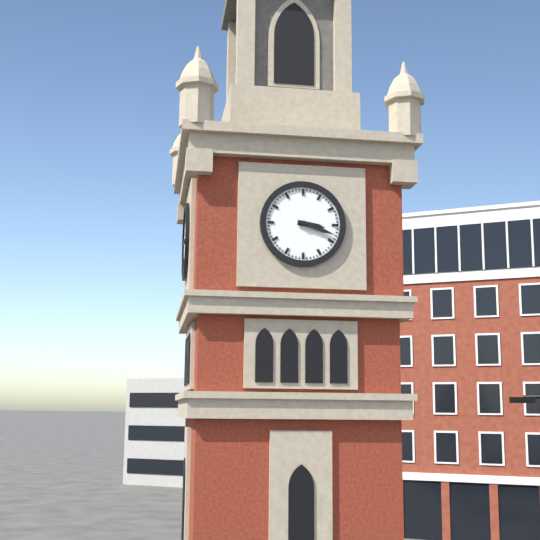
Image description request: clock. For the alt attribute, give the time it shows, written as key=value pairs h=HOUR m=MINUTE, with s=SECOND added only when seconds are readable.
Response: h=3 m=18
